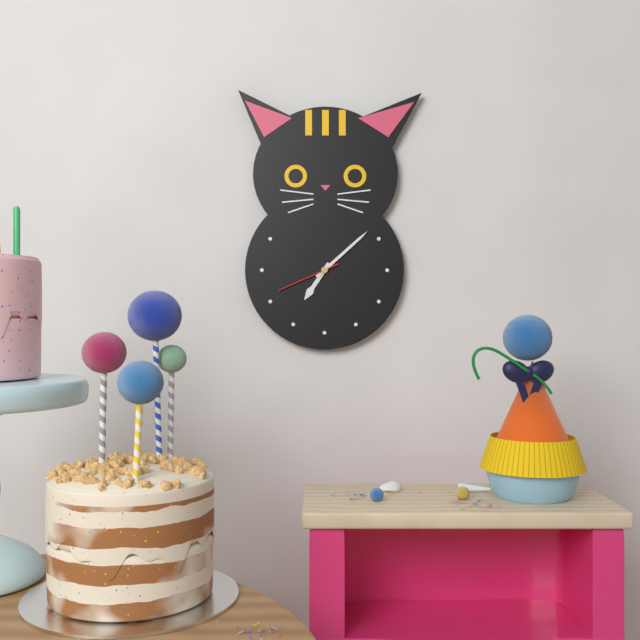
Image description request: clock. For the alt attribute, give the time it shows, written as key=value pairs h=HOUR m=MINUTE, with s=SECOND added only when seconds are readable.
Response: h=7 m=8 s=41
